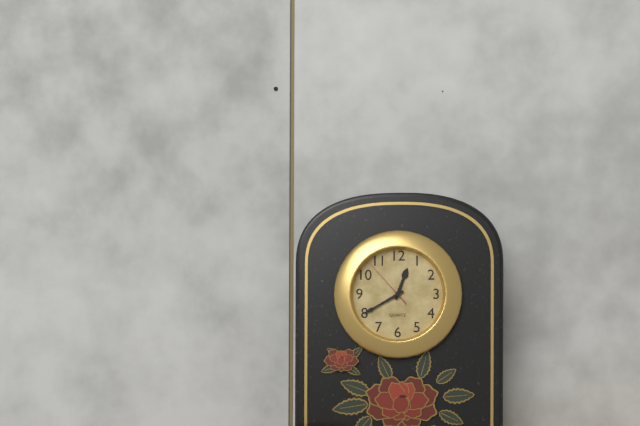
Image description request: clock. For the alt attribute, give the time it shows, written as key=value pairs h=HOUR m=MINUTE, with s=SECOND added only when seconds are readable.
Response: h=12 m=40 s=53
